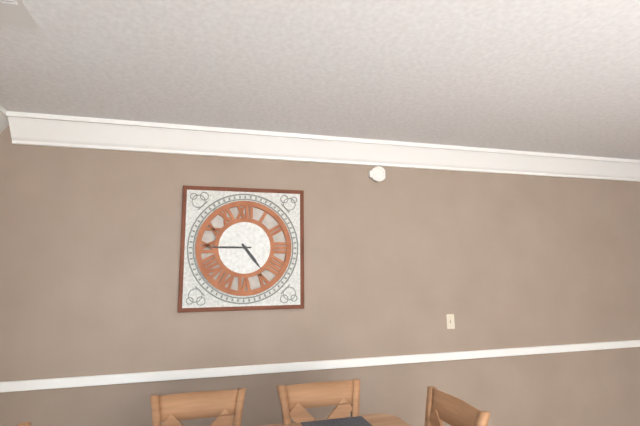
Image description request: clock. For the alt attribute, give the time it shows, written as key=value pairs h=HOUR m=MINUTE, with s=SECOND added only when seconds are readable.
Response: h=4 m=45
